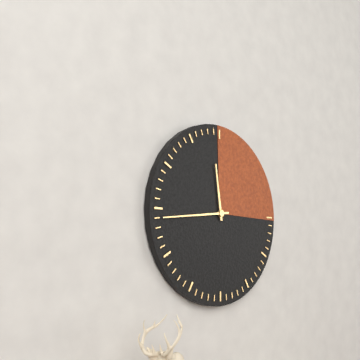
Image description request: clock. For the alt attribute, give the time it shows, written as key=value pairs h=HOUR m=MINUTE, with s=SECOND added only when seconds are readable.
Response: h=11 m=44
